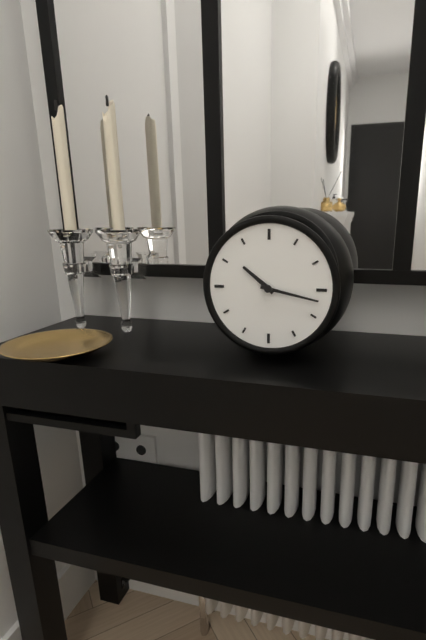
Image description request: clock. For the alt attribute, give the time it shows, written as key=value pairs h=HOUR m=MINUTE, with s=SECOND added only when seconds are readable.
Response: h=10 m=17
